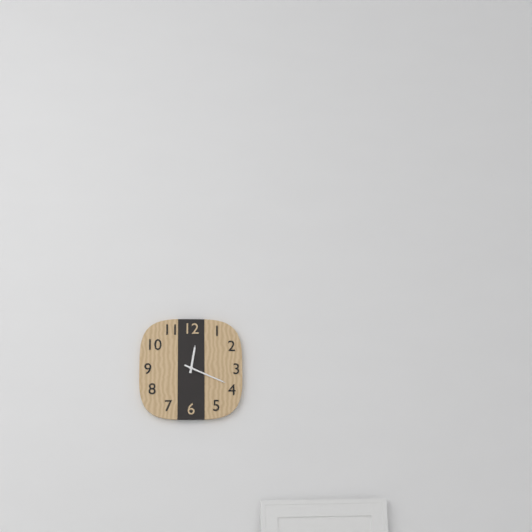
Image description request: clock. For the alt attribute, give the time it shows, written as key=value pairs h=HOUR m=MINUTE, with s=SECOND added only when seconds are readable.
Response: h=12 m=19
